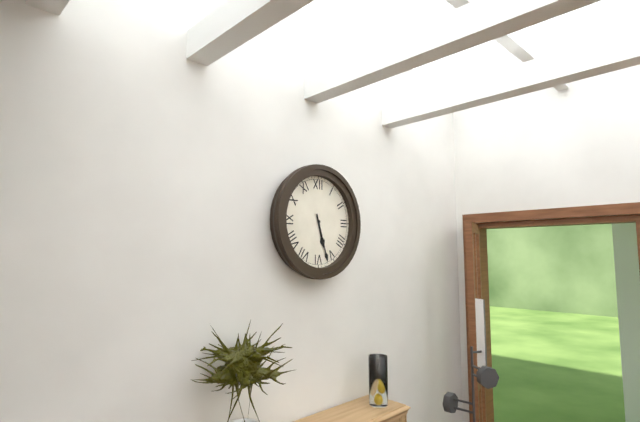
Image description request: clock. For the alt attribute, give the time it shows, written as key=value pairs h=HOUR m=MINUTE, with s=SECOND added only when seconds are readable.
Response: h=5 m=27
